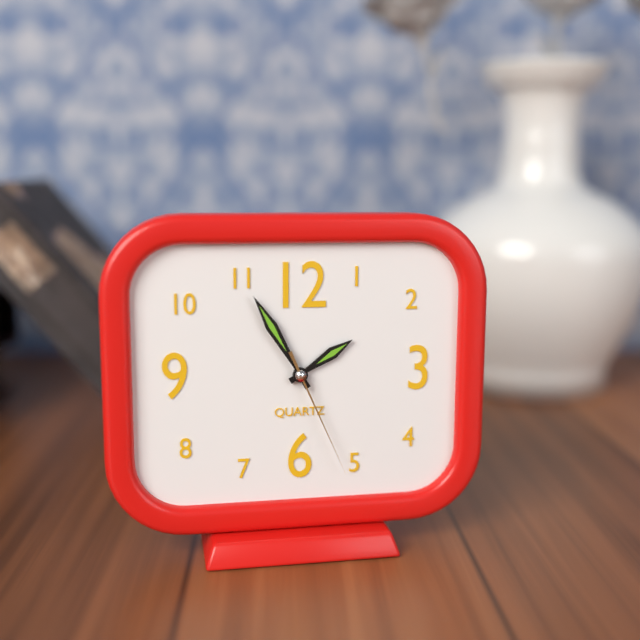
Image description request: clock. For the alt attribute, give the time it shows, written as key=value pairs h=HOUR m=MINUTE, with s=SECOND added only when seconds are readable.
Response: h=1 m=55 s=26
